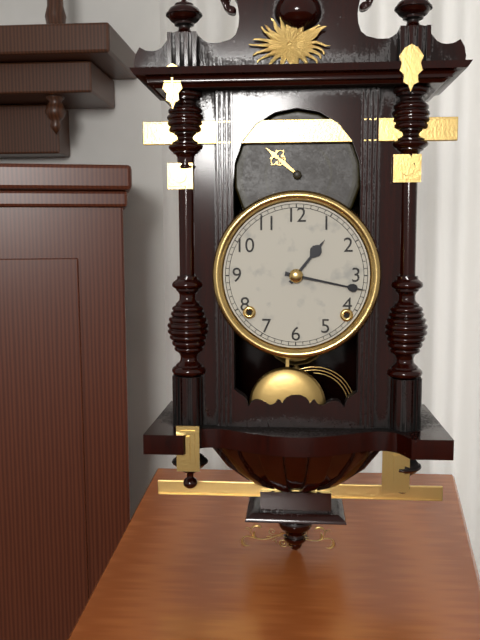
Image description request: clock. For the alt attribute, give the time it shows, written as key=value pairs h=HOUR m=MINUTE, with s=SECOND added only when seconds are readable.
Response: h=1 m=17
